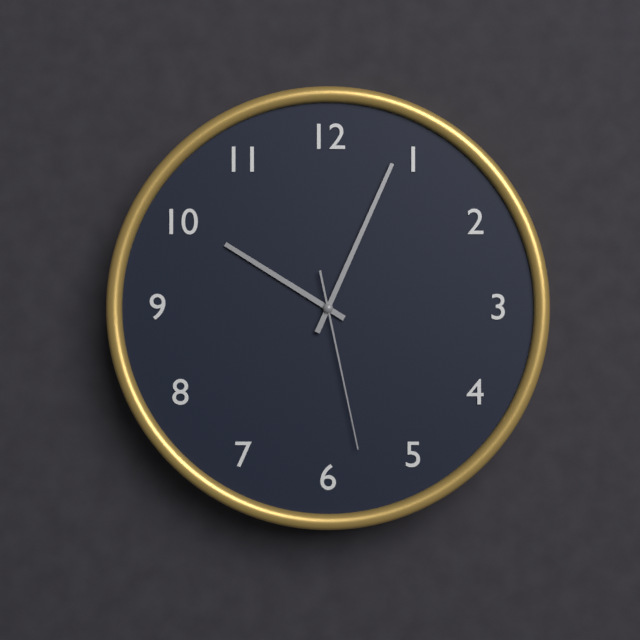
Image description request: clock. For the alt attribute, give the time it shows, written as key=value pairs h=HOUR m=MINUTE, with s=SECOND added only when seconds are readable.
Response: h=10 m=4 s=28
